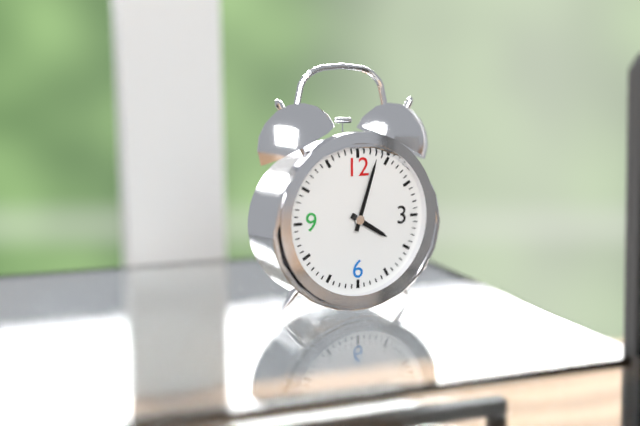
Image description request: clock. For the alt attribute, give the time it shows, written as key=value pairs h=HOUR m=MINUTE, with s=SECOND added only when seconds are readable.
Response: h=4 m=3
